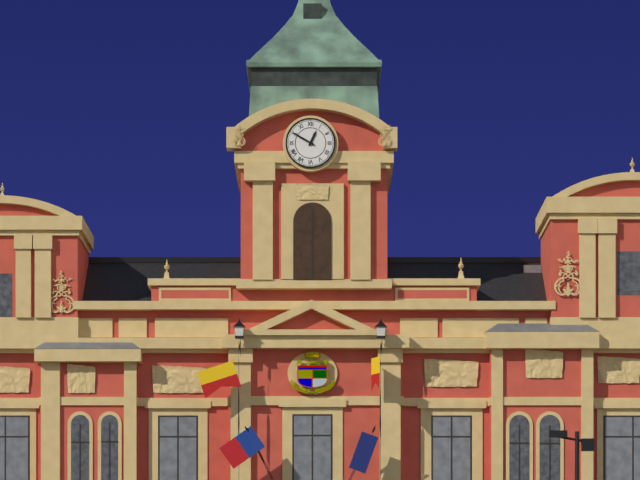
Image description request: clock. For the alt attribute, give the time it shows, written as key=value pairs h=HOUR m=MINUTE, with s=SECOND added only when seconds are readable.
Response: h=12 m=50
